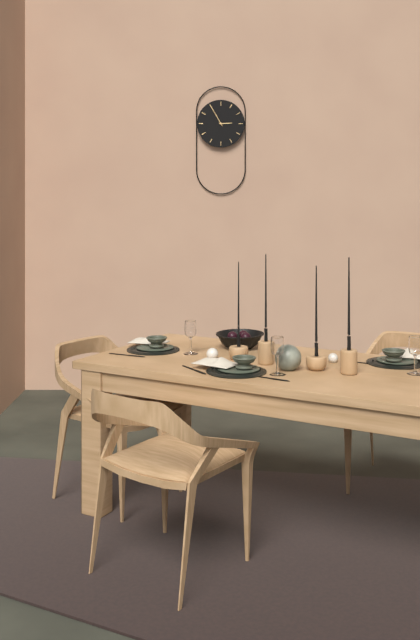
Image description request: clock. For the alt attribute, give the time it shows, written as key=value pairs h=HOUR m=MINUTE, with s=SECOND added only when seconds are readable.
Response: h=2 m=55
